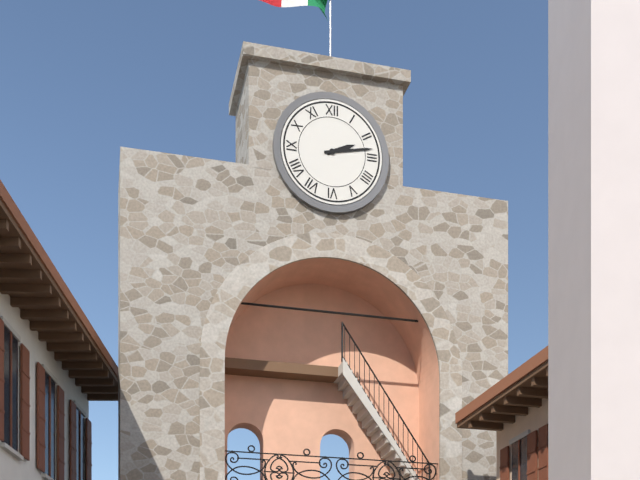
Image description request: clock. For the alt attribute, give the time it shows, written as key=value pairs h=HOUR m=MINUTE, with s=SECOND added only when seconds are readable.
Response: h=2 m=13
